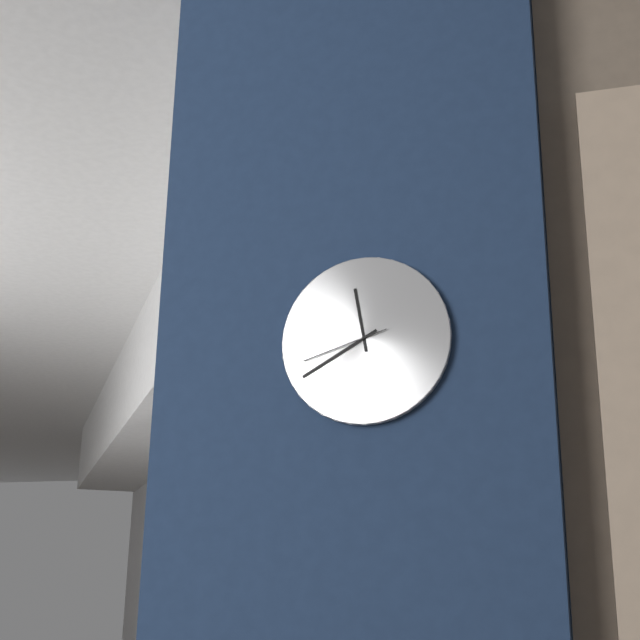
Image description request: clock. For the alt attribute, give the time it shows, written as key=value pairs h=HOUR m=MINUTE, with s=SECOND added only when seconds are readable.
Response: h=11 m=40 s=42
